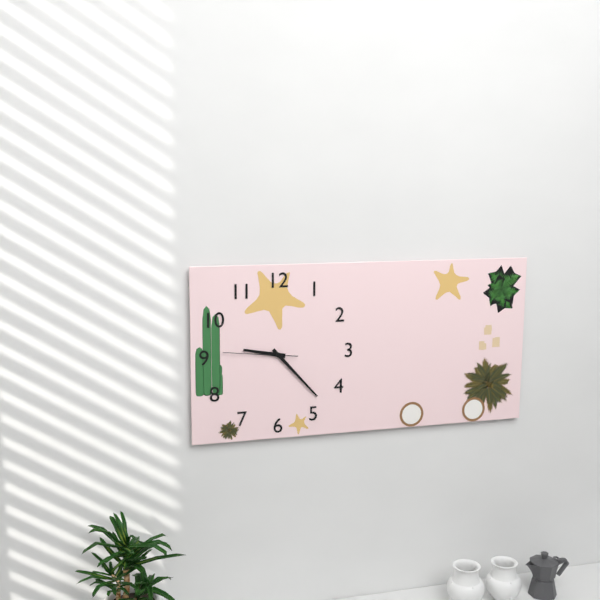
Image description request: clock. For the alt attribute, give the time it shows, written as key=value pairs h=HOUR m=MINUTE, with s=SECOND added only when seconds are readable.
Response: h=9 m=23 s=46
